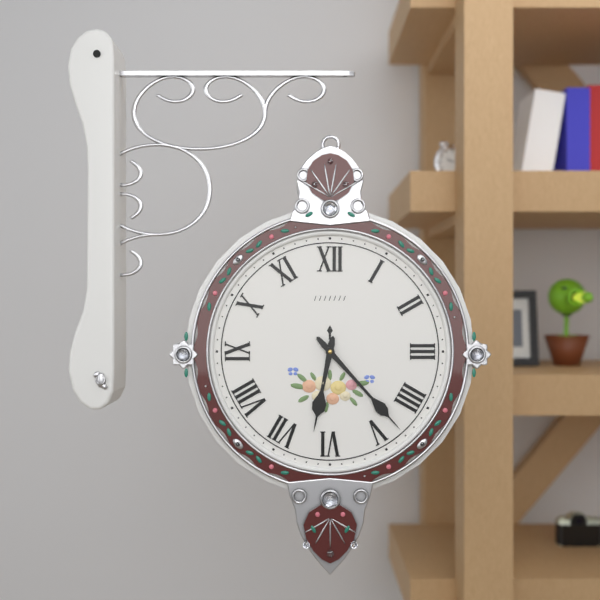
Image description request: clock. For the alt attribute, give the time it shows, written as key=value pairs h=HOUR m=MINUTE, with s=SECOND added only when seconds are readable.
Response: h=6 m=23
